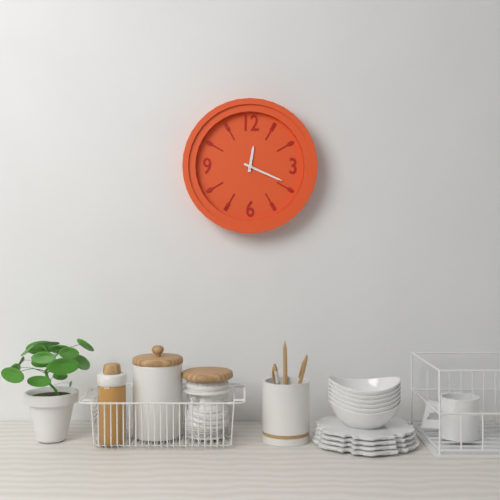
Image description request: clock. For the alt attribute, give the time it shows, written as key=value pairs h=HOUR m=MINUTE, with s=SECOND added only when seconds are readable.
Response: h=12 m=19
